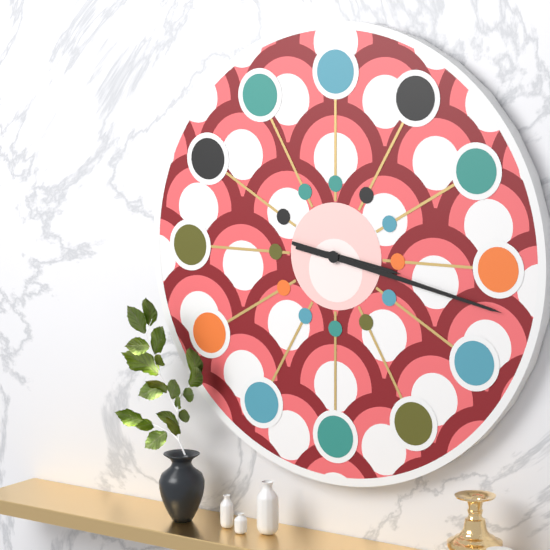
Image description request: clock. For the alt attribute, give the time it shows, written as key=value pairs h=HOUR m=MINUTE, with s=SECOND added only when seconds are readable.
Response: h=3 m=17
